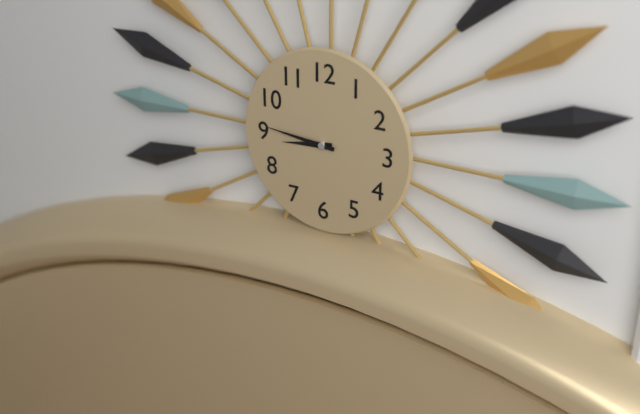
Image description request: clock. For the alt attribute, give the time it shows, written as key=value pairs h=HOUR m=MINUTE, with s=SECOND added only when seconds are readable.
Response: h=8 m=46
